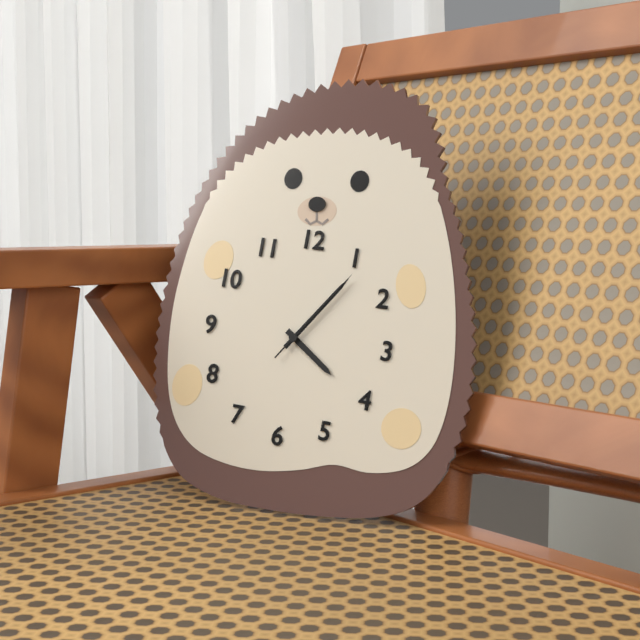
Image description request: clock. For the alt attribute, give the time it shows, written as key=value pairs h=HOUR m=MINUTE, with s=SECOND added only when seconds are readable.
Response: h=4 m=6 s=6
